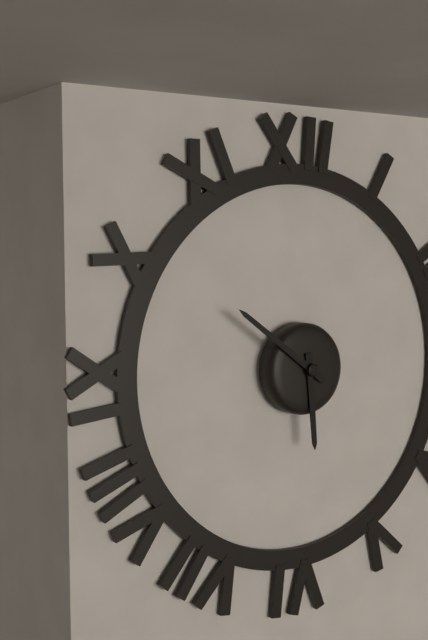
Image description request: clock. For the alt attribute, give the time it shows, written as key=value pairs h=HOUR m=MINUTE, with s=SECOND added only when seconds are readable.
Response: h=5 m=51
